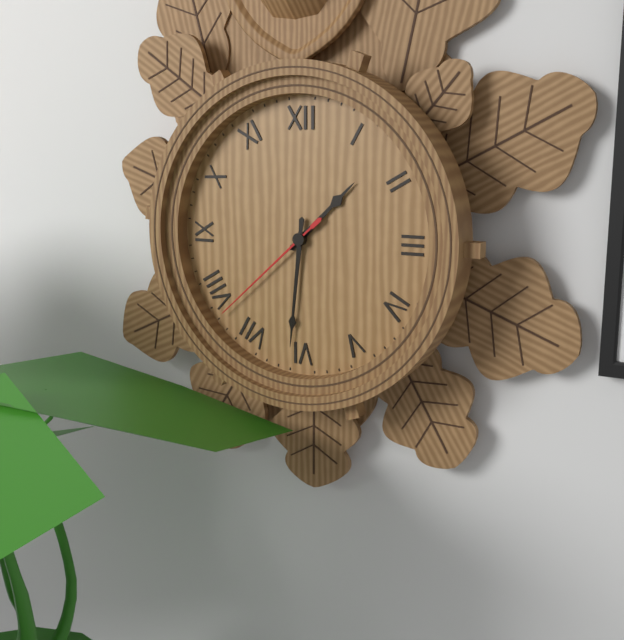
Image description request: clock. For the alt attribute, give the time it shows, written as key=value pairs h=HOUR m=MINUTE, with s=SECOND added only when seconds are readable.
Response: h=1 m=31 s=38
